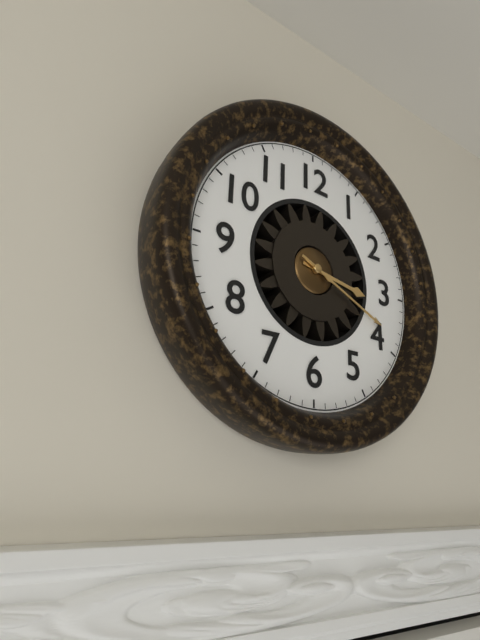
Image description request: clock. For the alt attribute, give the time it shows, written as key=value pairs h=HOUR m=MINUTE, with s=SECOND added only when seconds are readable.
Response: h=3 m=19
